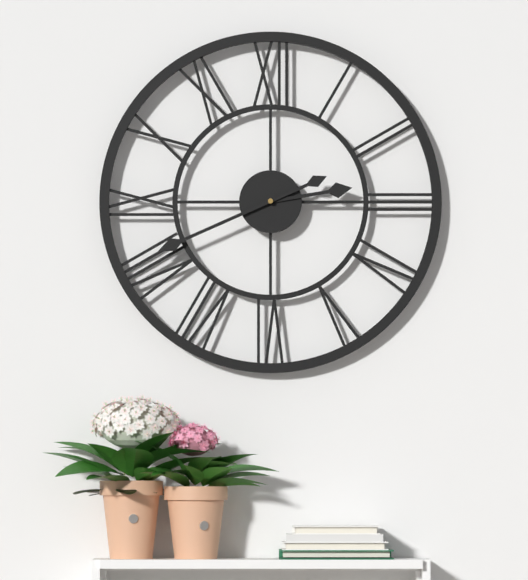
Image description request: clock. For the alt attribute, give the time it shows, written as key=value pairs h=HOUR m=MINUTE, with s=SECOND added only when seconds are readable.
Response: h=2 m=41
